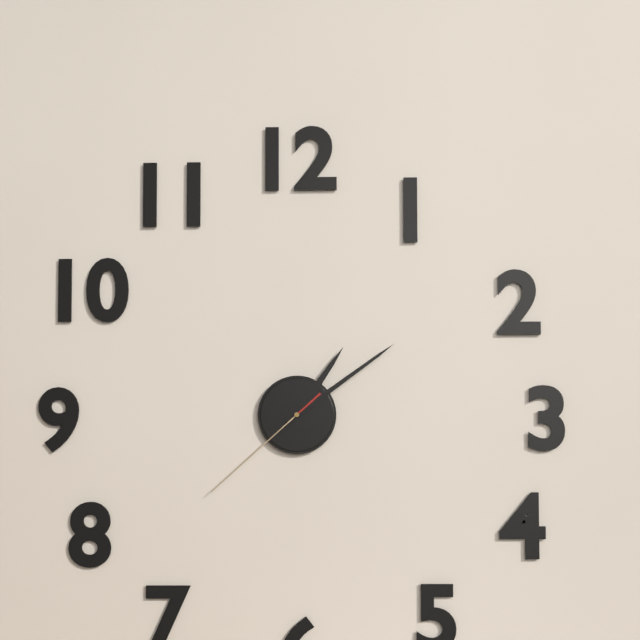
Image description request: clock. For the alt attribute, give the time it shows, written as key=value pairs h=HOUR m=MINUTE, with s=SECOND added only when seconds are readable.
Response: h=1 m=9 s=38
